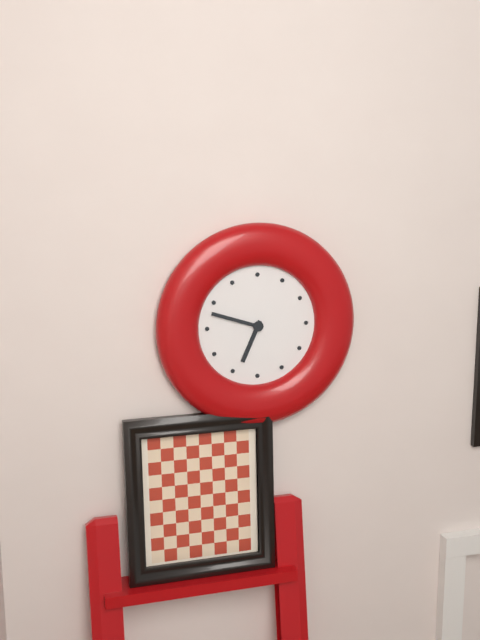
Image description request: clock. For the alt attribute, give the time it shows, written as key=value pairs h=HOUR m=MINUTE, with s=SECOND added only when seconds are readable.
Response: h=6 m=48
